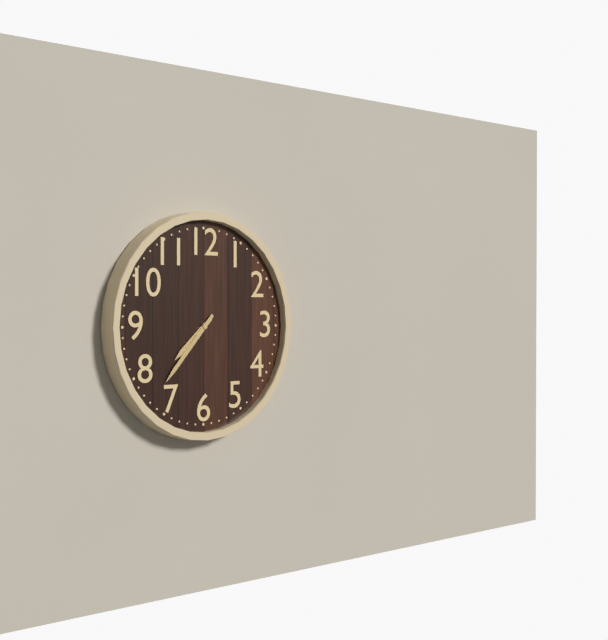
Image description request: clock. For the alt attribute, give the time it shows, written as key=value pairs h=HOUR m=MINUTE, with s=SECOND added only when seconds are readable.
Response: h=7 m=37
